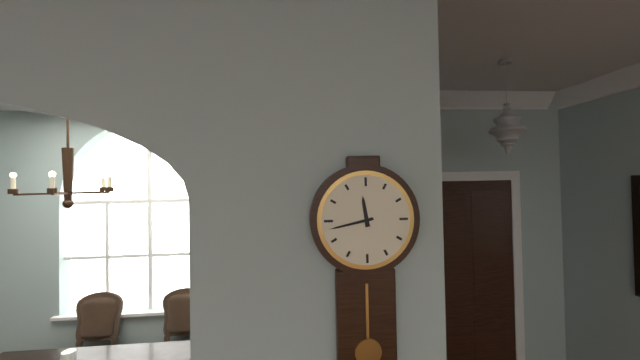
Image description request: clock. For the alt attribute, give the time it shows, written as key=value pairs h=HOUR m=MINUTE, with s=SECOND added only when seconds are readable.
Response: h=11 m=43
